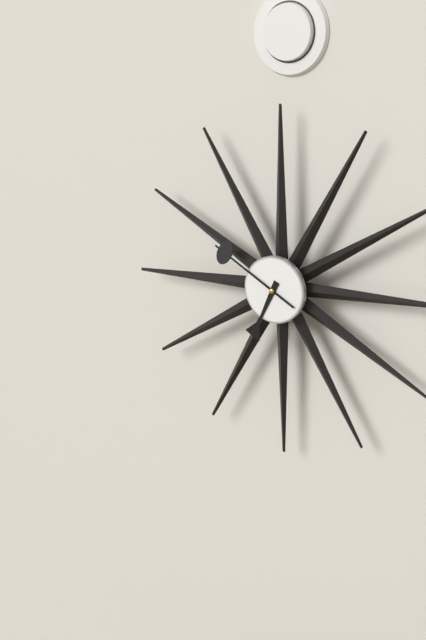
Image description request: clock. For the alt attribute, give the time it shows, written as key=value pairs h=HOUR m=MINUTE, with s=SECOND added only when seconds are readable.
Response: h=6 m=50
